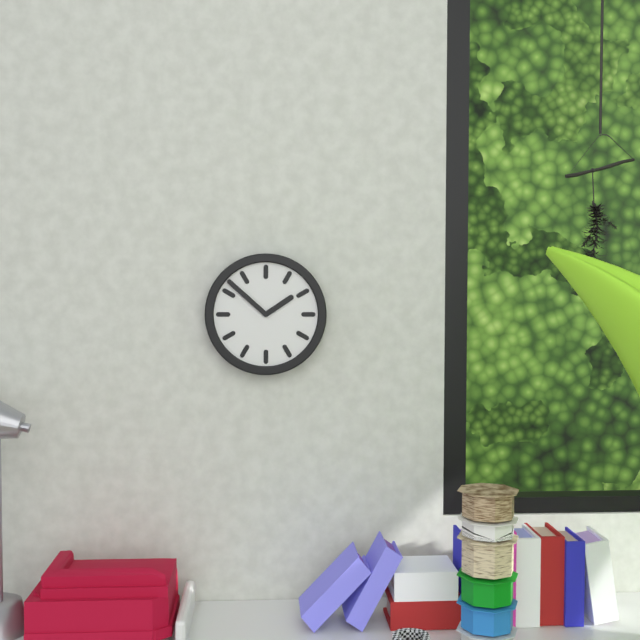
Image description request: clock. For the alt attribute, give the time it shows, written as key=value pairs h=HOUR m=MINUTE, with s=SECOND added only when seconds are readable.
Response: h=1 m=52
